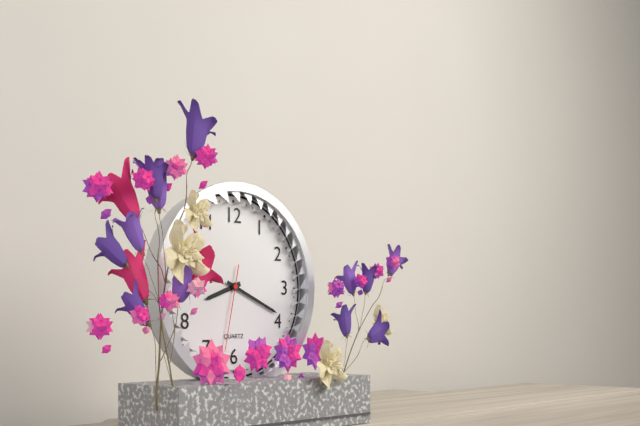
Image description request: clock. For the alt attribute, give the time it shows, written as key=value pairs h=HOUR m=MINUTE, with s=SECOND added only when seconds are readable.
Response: h=8 m=19 s=32
